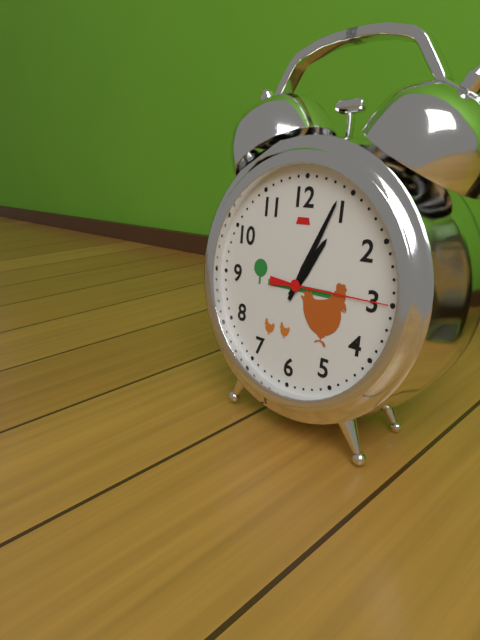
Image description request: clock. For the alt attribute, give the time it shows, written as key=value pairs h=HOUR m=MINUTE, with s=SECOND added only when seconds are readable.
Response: h=1 m=4 s=15
